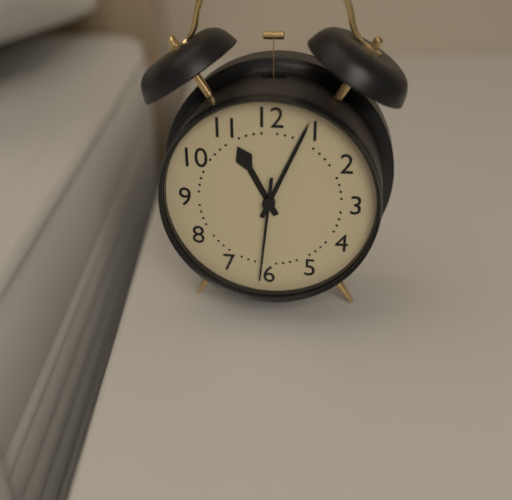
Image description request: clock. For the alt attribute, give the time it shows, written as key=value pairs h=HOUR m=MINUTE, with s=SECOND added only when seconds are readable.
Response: h=11 m=4 s=31
